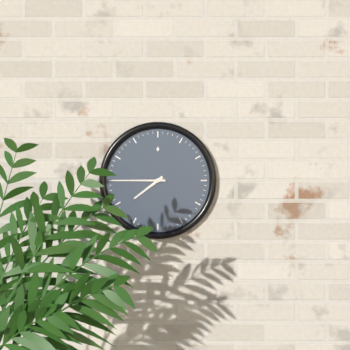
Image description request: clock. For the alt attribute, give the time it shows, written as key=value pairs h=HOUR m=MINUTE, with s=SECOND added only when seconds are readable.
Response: h=7 m=45
